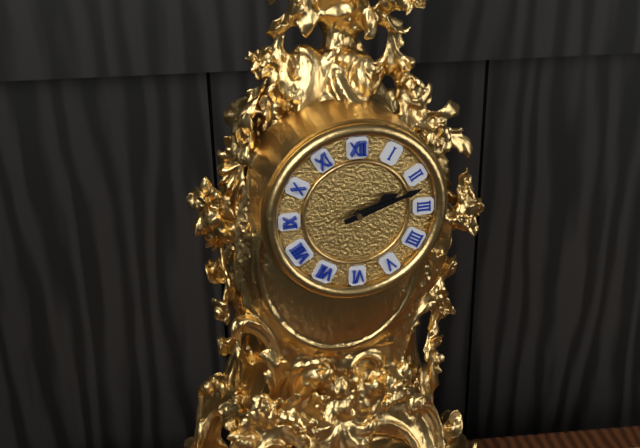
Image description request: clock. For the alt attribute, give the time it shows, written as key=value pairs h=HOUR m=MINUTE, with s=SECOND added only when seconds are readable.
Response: h=2 m=12
